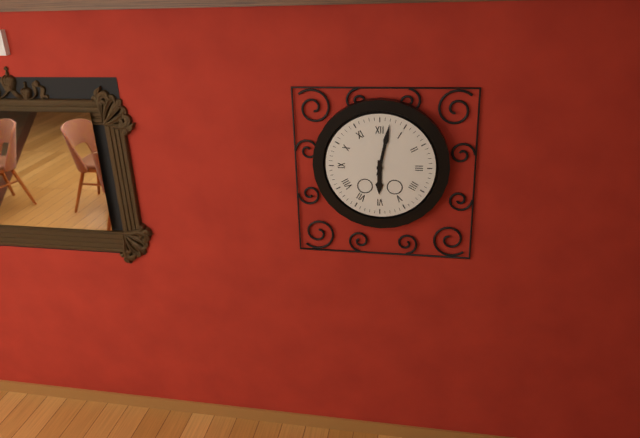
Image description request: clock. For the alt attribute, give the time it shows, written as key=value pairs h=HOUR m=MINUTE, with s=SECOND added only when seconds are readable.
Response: h=6 m=2
